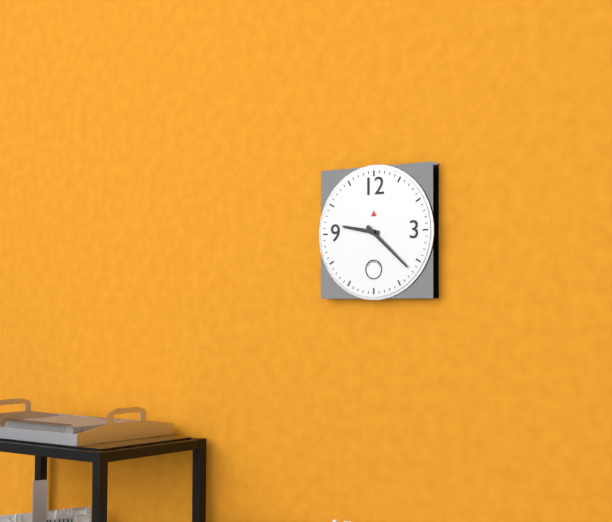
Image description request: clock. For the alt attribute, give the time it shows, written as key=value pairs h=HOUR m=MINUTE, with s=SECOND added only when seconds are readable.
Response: h=9 m=22
